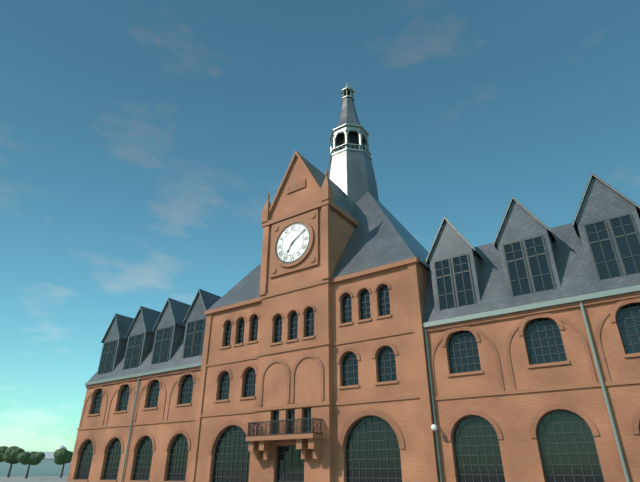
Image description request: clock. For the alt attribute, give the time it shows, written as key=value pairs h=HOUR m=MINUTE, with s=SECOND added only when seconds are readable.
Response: h=7 m=9
